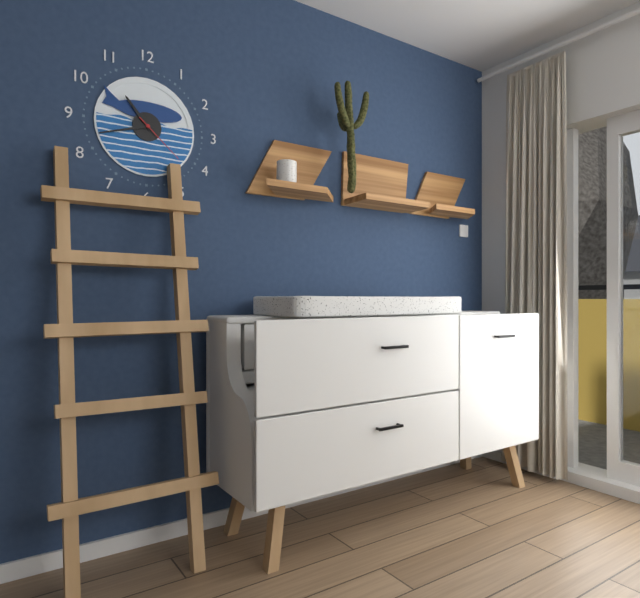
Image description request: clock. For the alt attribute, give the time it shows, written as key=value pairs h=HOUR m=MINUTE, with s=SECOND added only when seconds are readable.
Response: h=10 m=42 s=22
